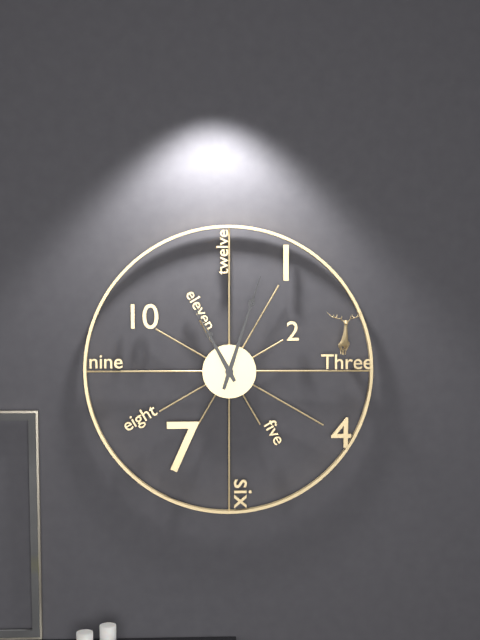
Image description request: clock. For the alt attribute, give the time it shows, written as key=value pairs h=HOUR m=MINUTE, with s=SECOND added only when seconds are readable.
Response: h=11 m=3
